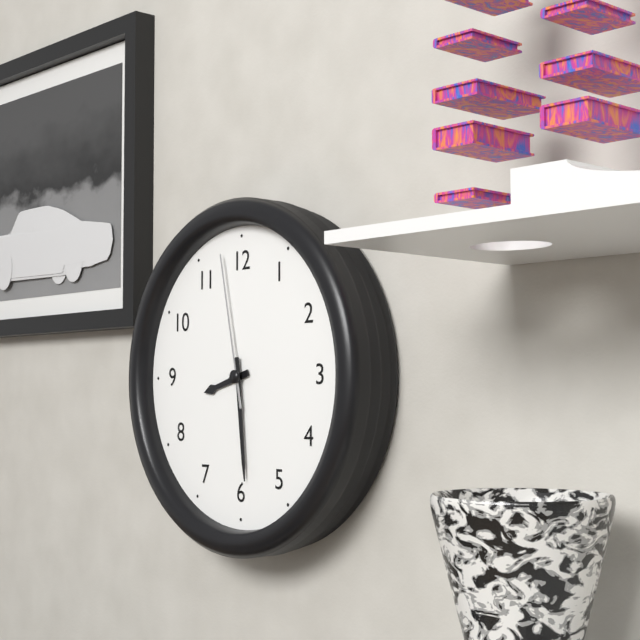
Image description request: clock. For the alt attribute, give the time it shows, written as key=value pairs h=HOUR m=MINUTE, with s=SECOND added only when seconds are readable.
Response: h=8 m=29 s=58
